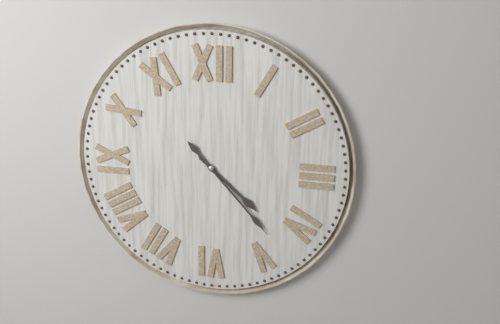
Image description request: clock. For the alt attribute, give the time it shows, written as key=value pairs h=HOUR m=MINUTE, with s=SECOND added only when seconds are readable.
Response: h=4 m=23
